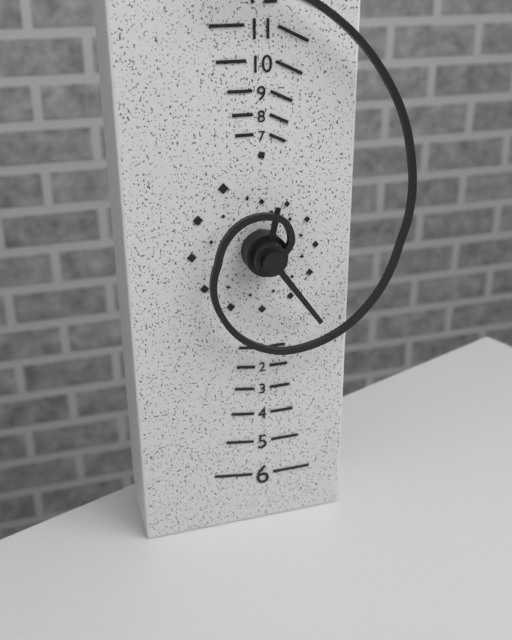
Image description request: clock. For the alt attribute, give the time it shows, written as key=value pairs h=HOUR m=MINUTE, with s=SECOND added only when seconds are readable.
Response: h=12 m=24
